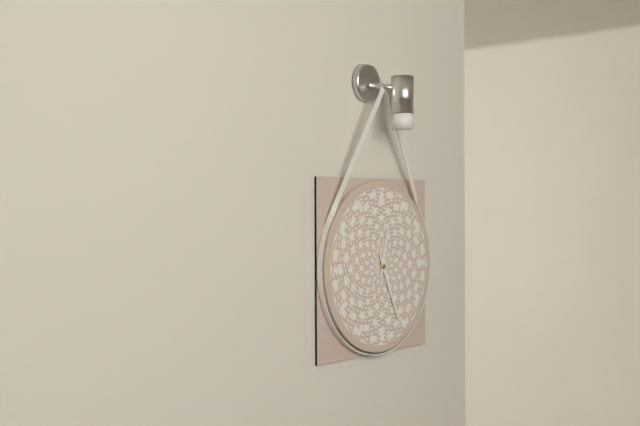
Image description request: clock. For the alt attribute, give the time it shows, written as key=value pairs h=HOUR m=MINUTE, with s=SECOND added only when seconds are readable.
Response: h=12 m=26
